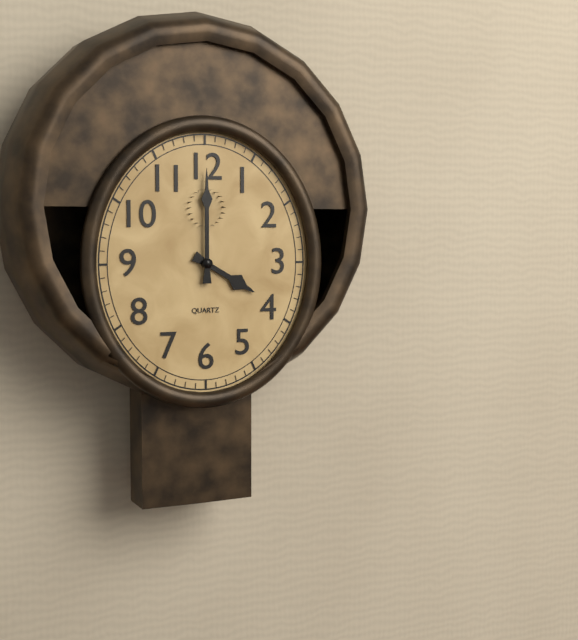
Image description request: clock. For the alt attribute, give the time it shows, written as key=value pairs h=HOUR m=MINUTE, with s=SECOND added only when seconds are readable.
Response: h=4 m=0
